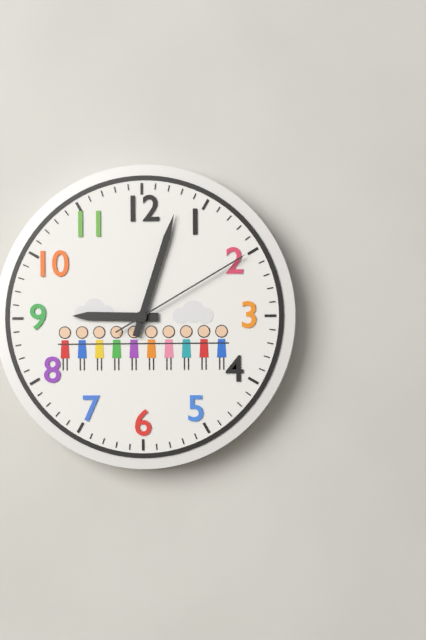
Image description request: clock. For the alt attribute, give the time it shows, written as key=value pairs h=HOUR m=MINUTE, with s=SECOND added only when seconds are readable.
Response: h=9 m=3 s=10
